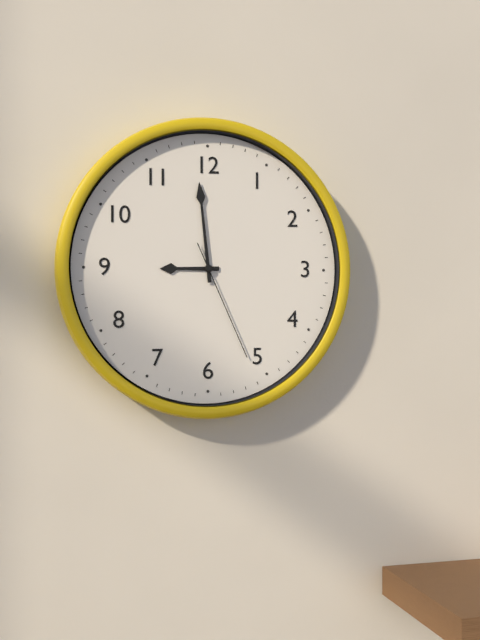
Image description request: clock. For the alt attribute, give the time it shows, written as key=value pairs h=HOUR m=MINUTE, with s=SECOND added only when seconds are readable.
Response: h=8 m=59 s=26
